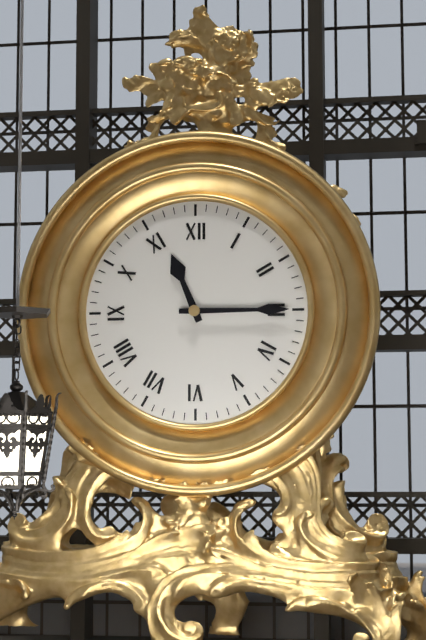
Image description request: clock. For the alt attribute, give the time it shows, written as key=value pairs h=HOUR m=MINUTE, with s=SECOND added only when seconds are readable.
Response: h=11 m=15
